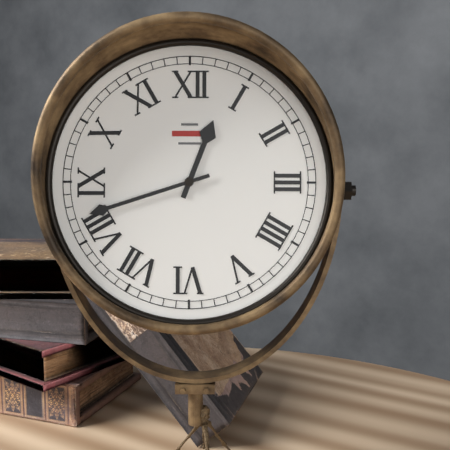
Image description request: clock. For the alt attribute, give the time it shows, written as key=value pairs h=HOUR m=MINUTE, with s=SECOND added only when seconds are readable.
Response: h=12 m=42
